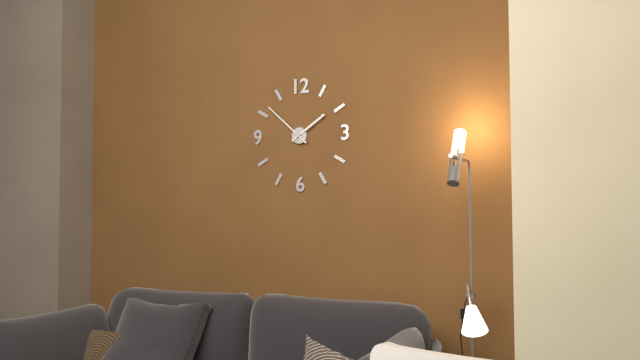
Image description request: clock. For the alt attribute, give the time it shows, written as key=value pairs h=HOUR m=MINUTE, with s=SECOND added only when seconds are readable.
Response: h=1 m=52
